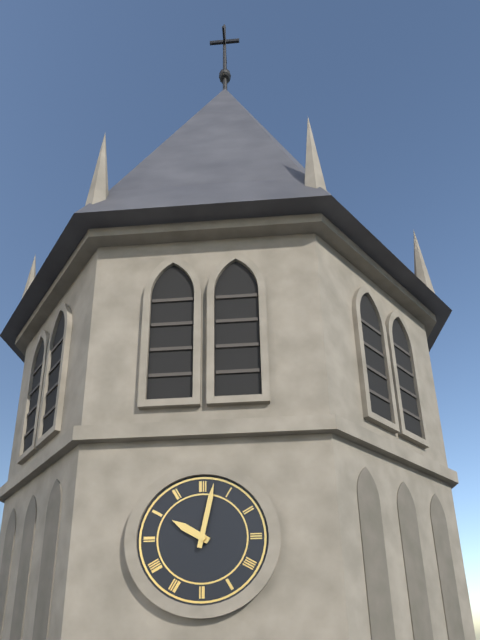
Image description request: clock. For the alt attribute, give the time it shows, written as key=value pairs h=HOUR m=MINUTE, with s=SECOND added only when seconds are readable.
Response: h=10 m=2
